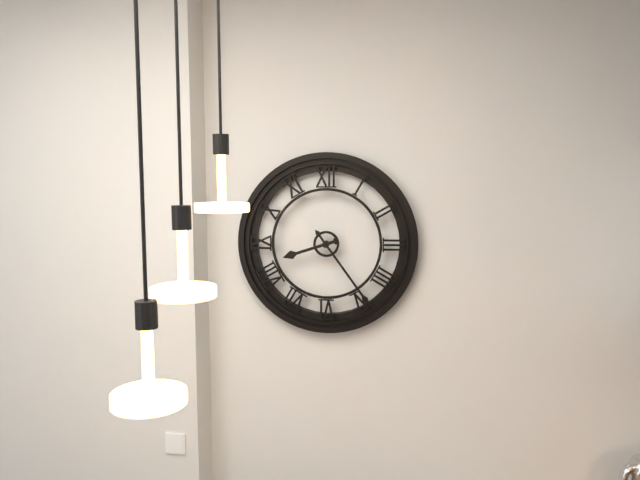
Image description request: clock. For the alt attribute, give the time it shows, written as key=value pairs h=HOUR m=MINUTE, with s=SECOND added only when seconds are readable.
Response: h=8 m=24
